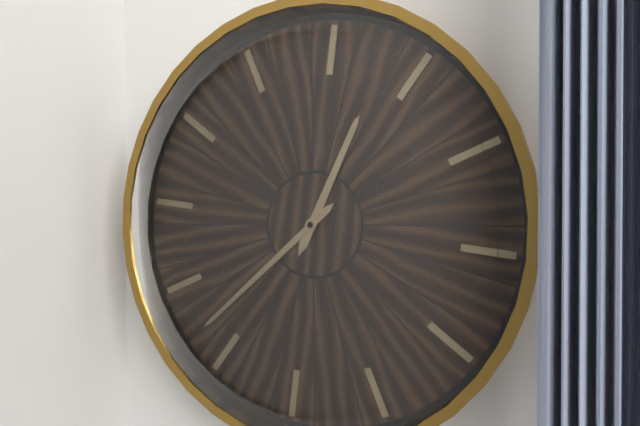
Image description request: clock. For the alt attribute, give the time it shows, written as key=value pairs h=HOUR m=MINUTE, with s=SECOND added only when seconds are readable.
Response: h=12 m=37
